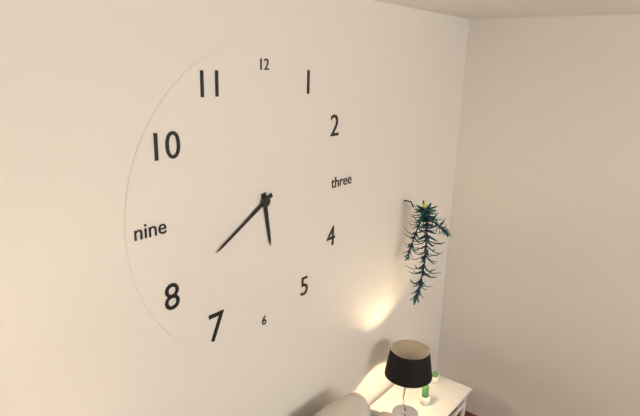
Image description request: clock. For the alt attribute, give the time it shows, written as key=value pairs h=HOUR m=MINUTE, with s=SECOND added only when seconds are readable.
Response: h=5 m=40
